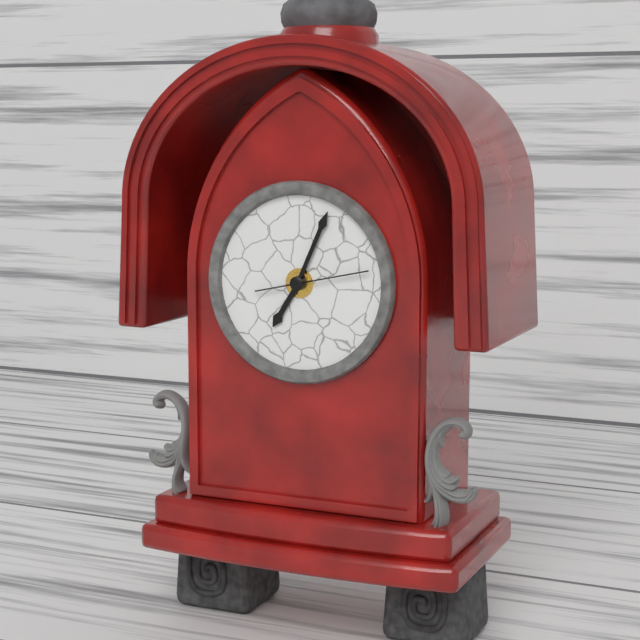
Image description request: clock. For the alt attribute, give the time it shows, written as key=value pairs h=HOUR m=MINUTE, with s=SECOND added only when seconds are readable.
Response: h=7 m=4 s=13
